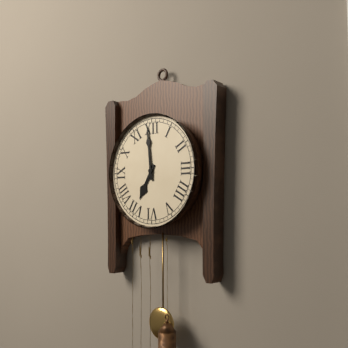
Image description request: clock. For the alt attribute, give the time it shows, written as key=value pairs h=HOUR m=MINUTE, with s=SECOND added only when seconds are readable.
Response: h=6 m=59
